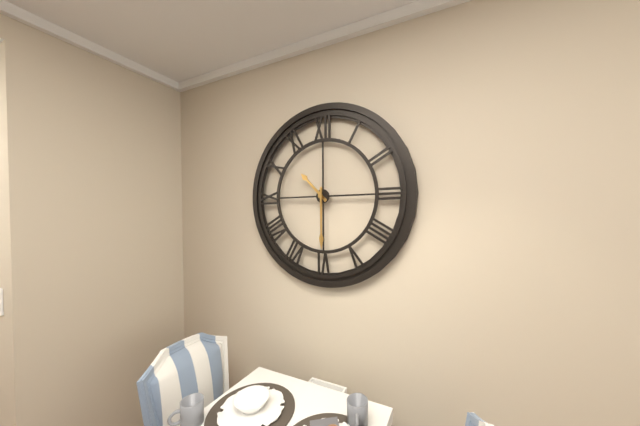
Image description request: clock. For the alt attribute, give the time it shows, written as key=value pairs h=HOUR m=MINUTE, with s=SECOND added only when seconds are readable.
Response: h=10 m=30
